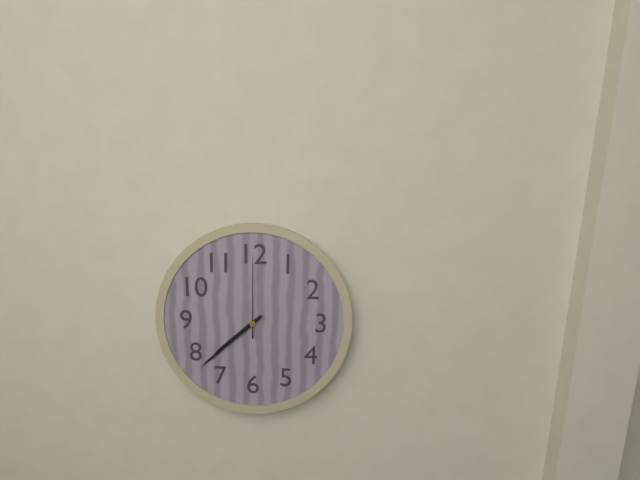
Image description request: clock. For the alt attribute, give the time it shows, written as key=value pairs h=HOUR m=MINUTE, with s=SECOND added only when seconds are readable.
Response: h=7 m=38 s=0
